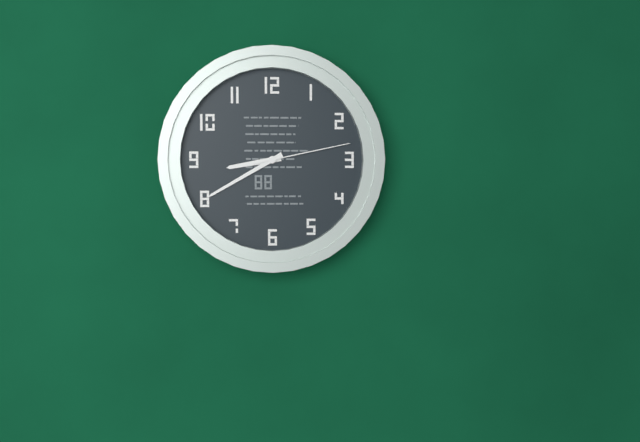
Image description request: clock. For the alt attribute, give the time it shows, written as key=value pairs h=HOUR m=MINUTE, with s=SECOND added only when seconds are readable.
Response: h=8 m=40 s=13
